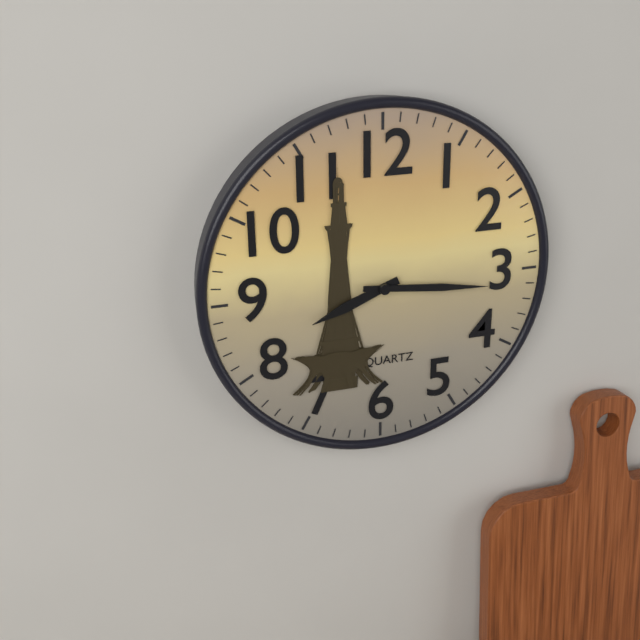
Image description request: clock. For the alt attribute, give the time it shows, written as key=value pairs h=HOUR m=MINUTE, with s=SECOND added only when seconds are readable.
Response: h=8 m=16
